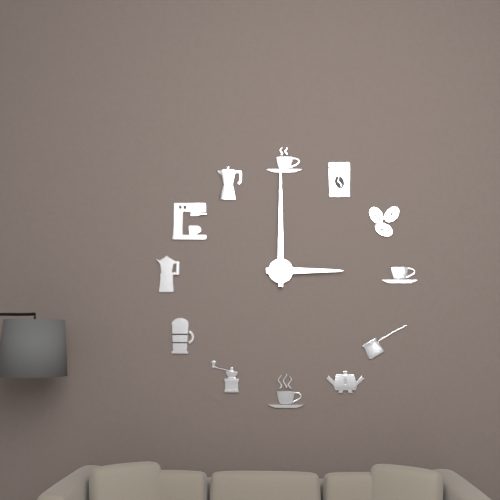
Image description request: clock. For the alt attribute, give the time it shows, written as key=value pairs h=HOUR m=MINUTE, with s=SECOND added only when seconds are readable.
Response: h=3 m=0
